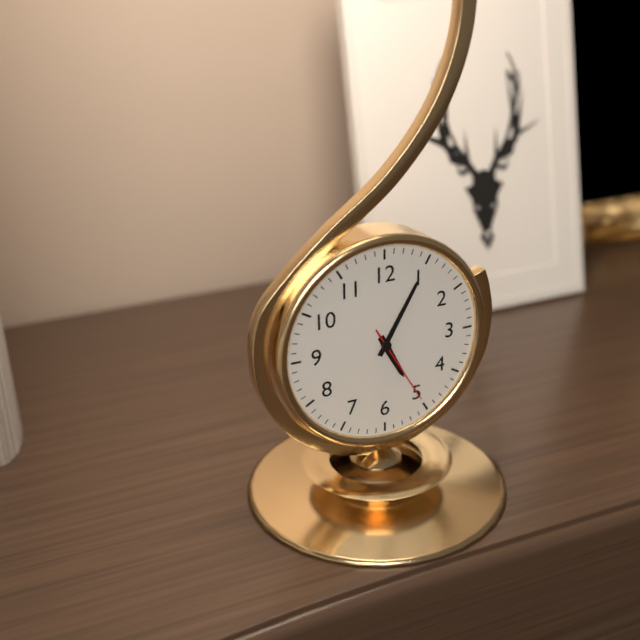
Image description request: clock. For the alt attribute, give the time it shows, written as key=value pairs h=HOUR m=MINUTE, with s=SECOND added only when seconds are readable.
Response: h=5 m=5 s=25
